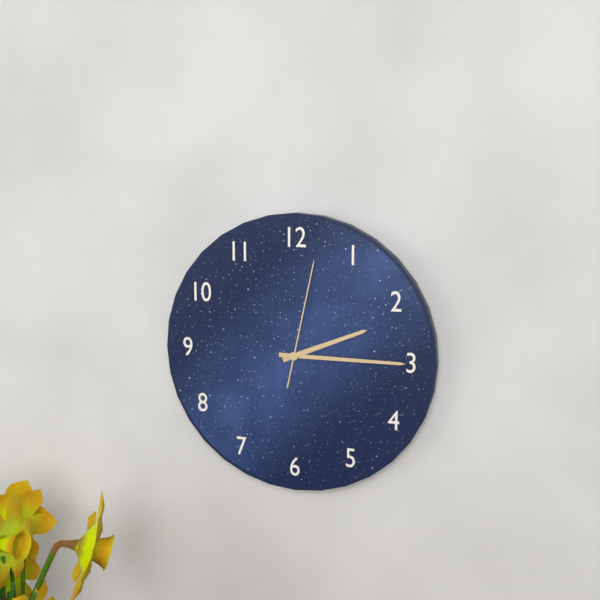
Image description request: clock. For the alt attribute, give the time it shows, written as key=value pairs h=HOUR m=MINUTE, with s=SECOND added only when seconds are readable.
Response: h=2 m=15 s=2
